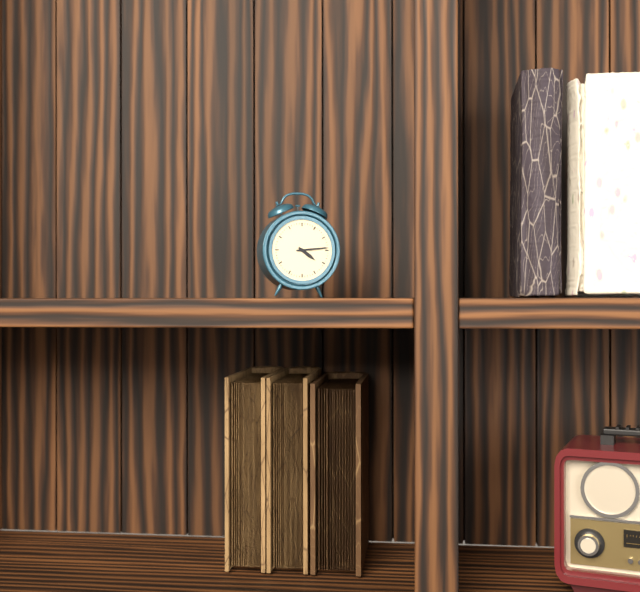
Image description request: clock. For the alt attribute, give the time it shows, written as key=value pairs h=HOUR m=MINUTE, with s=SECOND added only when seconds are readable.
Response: h=4 m=14
